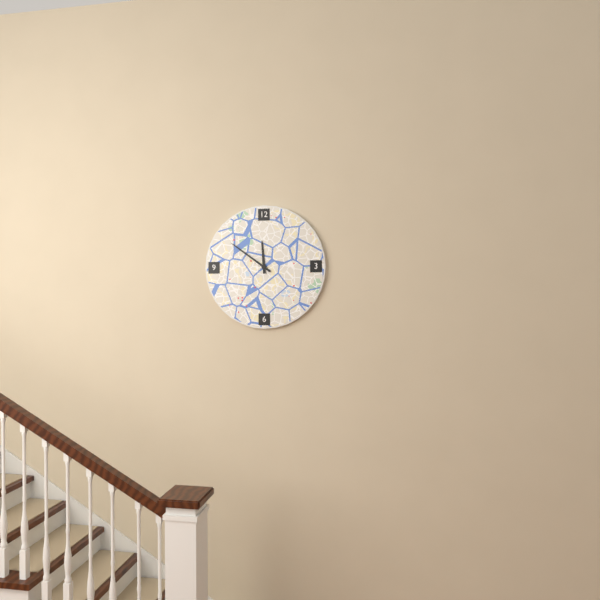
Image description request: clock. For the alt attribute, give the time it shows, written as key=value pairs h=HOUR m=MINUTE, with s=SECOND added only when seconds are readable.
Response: h=11 m=51
